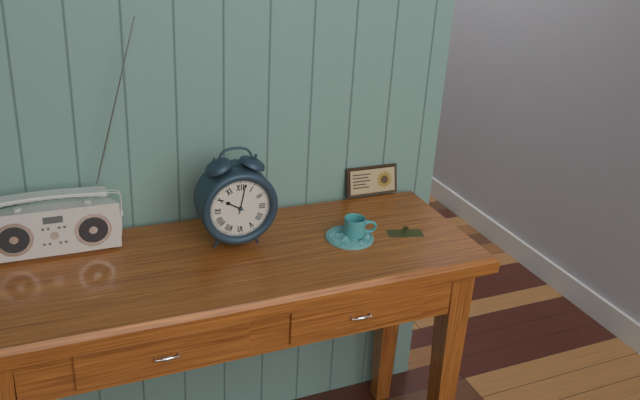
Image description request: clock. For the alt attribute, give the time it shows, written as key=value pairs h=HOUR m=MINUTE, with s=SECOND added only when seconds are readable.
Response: h=10 m=2
